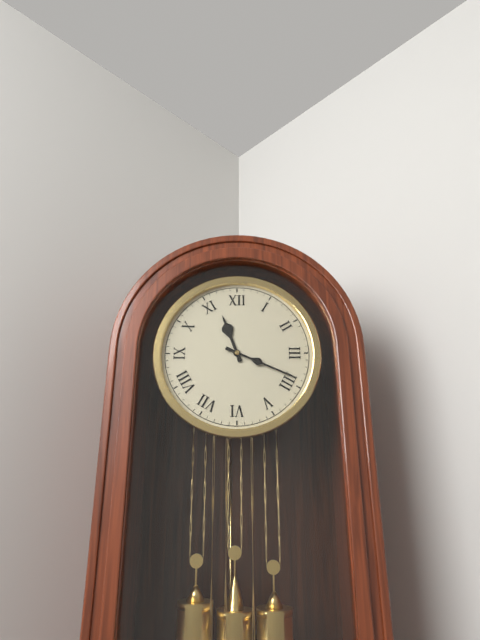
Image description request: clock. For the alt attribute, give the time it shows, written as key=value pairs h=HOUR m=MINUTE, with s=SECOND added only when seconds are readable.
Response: h=11 m=19
